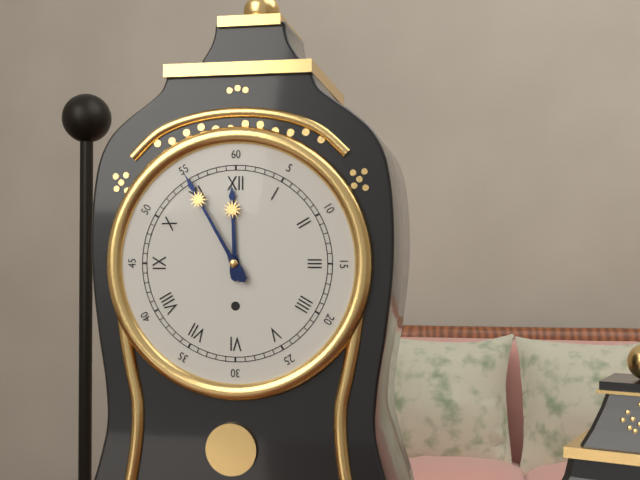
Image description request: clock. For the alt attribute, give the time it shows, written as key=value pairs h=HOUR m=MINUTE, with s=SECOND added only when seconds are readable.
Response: h=11 m=55
